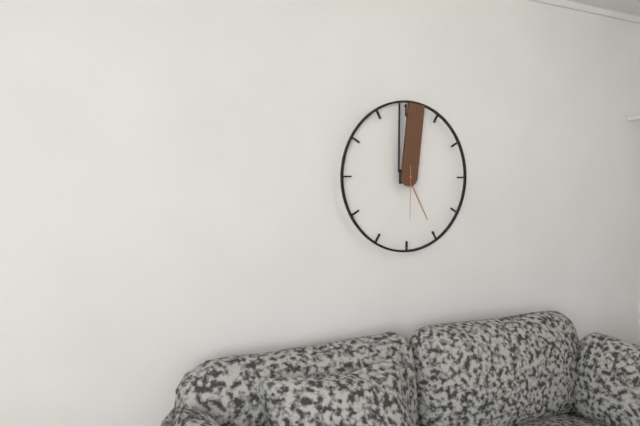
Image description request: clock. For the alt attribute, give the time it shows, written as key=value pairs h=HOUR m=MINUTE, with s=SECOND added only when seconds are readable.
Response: h=5 m=1 s=30
